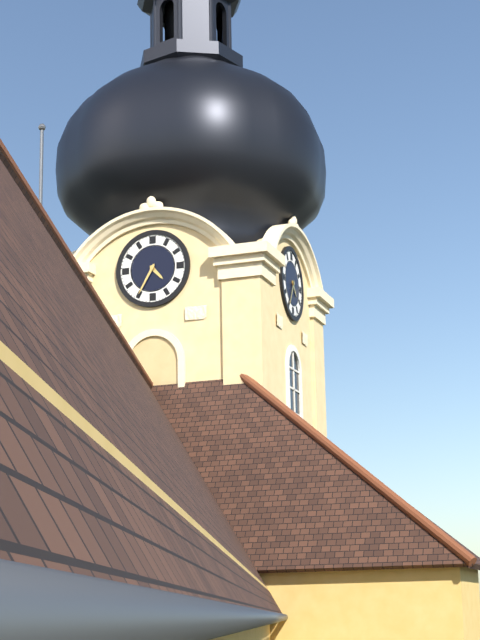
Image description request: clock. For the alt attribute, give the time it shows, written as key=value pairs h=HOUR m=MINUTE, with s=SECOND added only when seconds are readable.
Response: h=4 m=35
